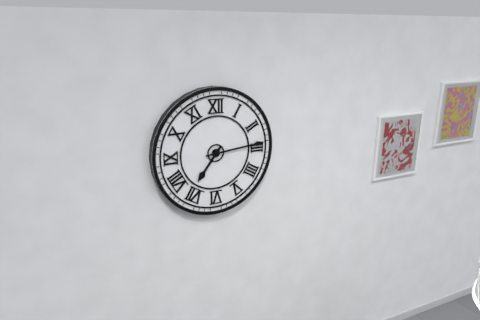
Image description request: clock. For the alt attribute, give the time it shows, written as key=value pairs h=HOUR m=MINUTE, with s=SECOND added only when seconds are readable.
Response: h=7 m=14
